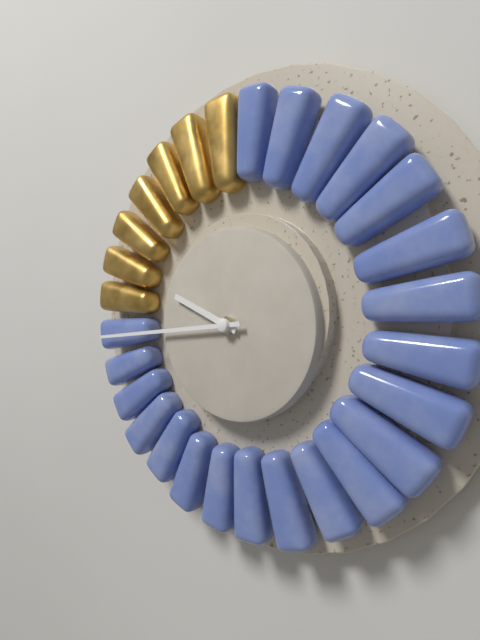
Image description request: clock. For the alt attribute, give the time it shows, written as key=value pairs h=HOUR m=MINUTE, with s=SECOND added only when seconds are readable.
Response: h=9 m=44
